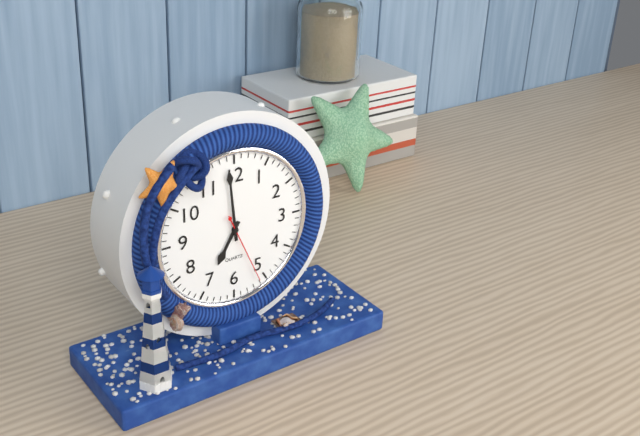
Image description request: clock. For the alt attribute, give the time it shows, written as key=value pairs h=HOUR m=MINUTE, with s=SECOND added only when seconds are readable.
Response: h=6 m=59 s=26
